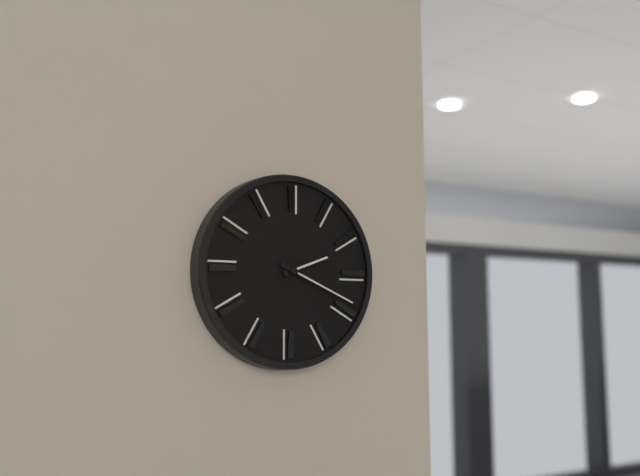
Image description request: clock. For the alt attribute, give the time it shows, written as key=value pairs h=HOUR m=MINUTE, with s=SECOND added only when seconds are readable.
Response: h=2 m=19
